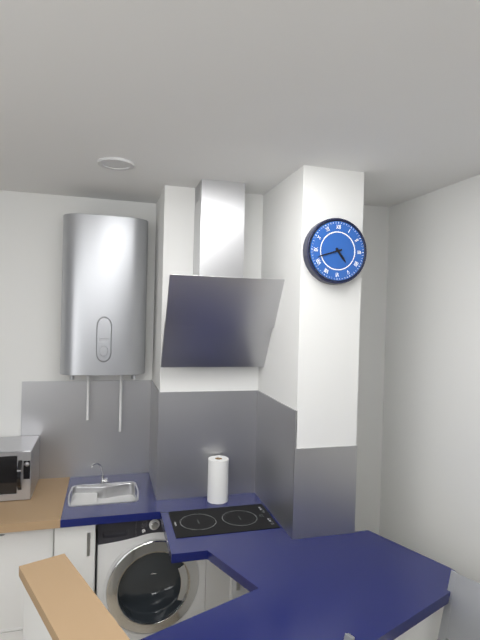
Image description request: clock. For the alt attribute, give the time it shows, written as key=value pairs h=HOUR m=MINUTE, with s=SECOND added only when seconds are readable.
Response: h=4 m=42
